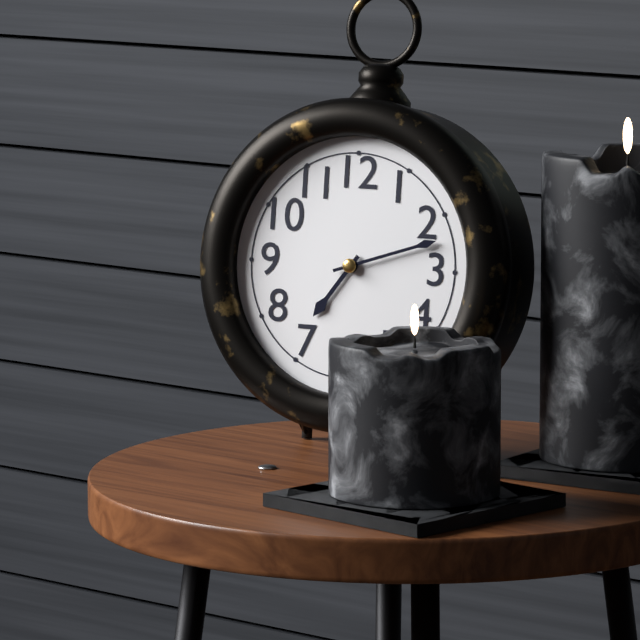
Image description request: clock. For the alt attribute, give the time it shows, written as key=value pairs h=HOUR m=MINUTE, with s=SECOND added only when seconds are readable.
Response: h=7 m=12
